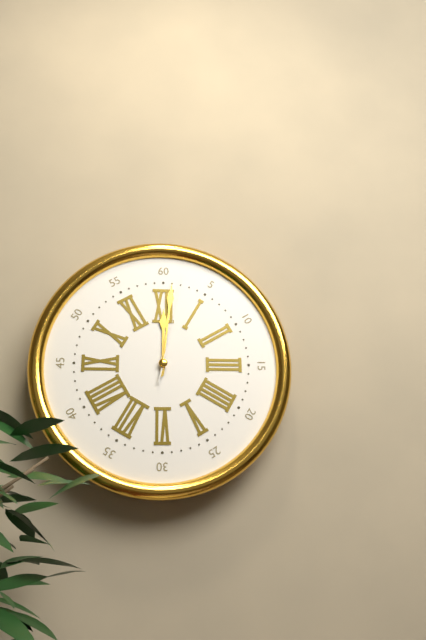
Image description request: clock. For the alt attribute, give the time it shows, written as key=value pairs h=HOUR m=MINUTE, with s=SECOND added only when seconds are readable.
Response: h=12 m=1 s=2
